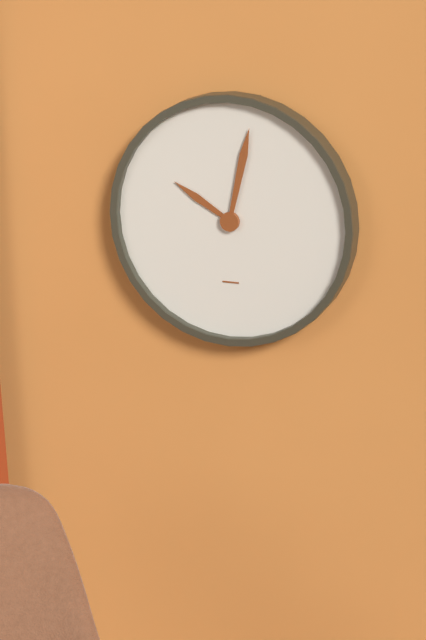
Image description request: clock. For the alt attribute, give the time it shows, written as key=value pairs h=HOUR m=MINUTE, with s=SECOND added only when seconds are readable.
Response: h=10 m=2
